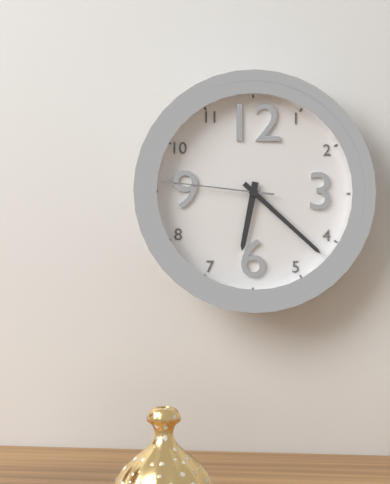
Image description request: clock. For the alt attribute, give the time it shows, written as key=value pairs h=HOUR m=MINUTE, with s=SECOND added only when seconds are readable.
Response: h=6 m=22 s=46
